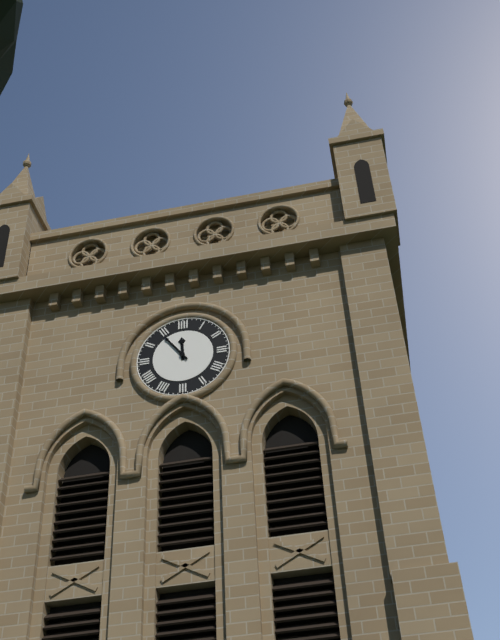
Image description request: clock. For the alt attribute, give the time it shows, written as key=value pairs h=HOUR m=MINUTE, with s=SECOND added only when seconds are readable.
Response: h=11 m=54
